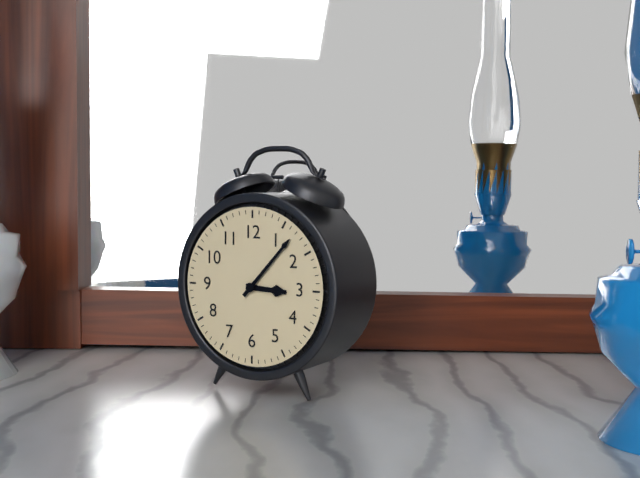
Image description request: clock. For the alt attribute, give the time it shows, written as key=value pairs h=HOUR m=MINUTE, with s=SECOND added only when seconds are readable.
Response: h=3 m=7
